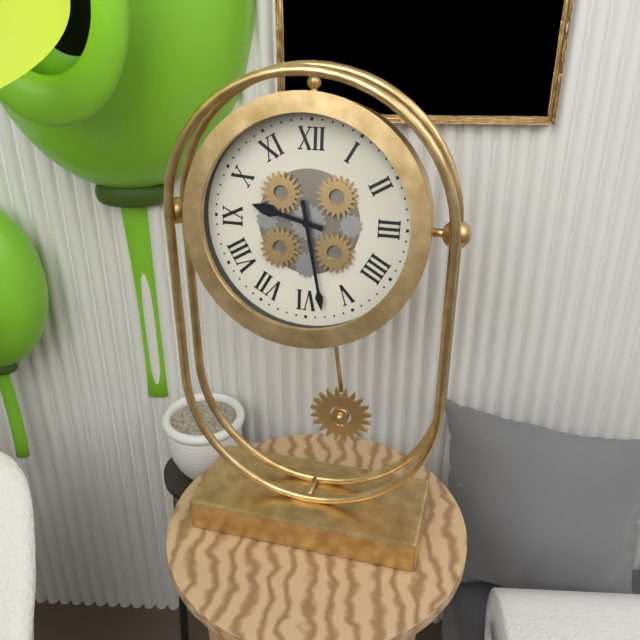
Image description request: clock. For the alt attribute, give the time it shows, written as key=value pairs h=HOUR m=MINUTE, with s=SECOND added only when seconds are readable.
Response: h=9 m=28
